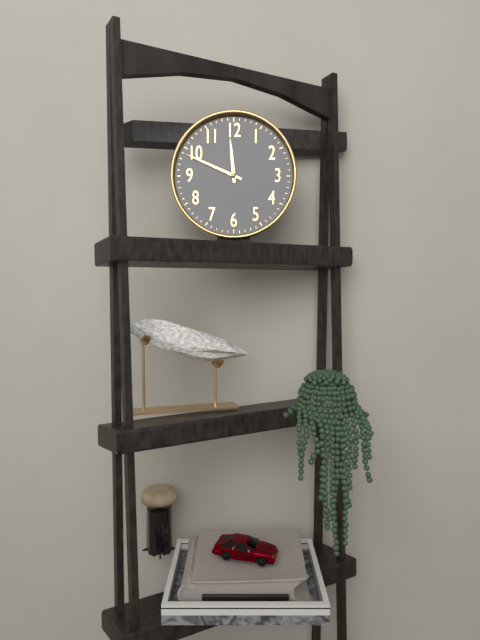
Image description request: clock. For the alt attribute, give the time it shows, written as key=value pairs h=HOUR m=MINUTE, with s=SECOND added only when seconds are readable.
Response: h=11 m=49
